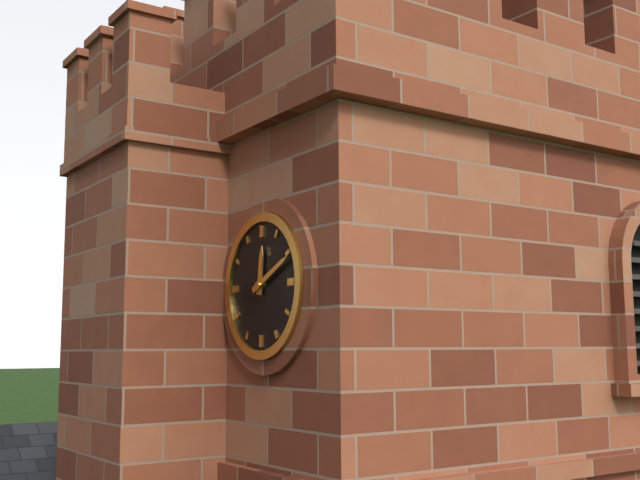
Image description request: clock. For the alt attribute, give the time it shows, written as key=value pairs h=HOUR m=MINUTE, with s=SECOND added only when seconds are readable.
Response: h=12 m=11
